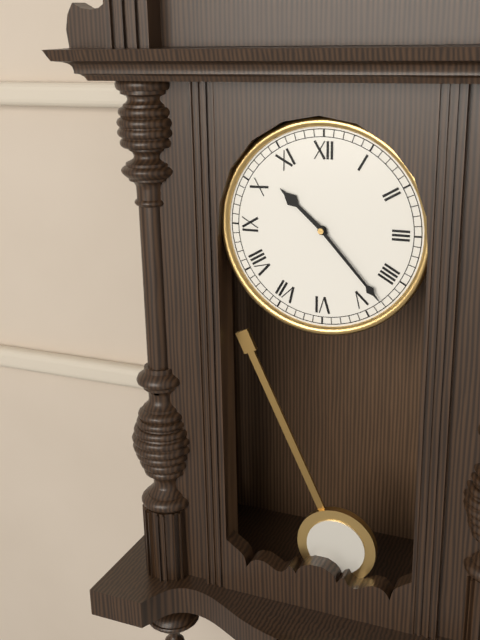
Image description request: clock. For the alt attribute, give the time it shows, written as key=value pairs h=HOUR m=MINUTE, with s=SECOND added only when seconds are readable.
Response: h=10 m=23
